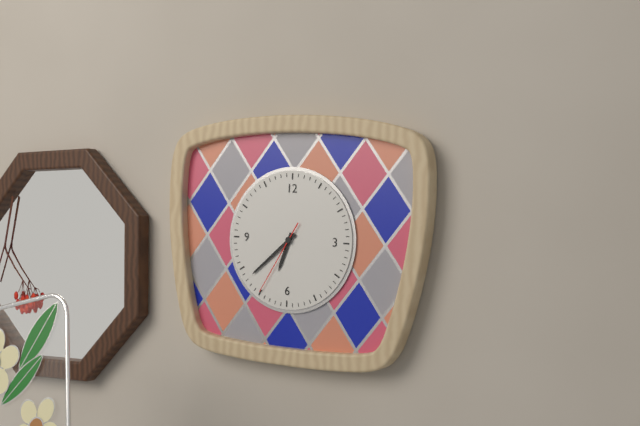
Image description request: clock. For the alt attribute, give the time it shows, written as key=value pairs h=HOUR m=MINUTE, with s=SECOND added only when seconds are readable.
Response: h=6 m=38 s=35
